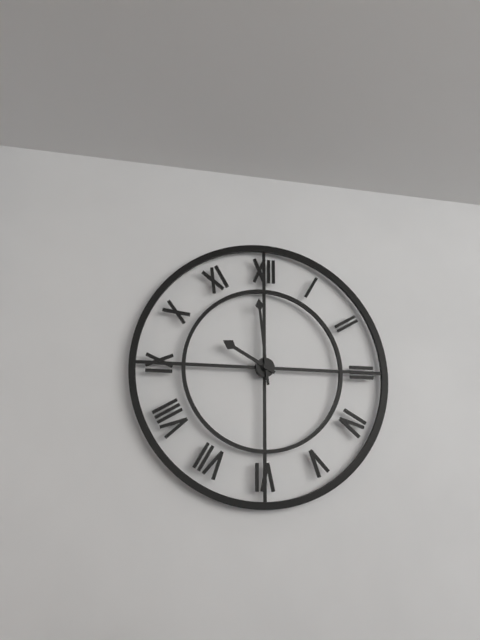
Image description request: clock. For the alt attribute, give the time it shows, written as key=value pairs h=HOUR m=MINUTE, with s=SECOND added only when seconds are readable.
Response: h=9 m=59
